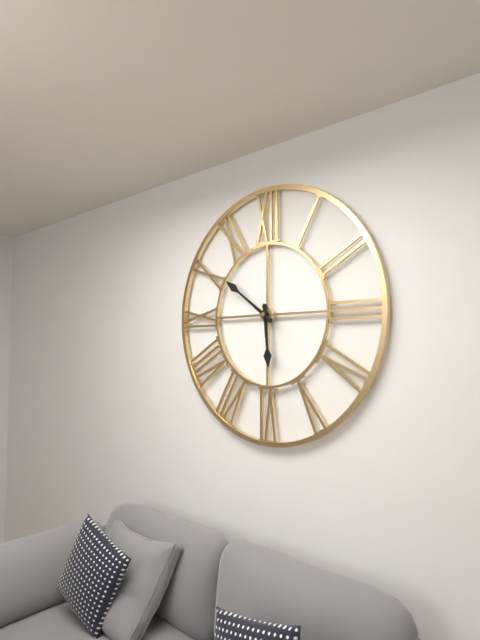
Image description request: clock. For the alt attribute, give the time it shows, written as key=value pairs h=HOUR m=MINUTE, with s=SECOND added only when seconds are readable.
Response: h=5 m=51
